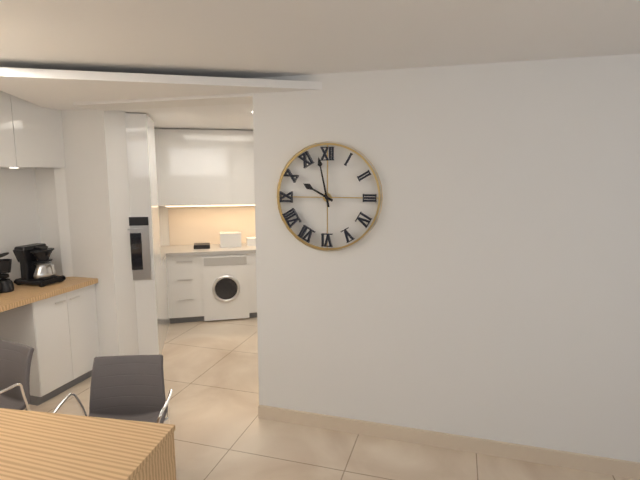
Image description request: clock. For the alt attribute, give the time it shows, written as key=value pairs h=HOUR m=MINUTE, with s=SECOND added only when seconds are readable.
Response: h=9 m=58
